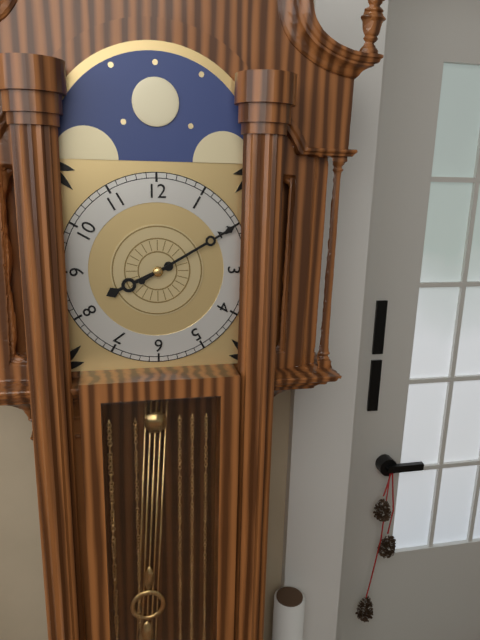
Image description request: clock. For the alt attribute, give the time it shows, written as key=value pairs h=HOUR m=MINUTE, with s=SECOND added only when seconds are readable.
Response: h=8 m=10
